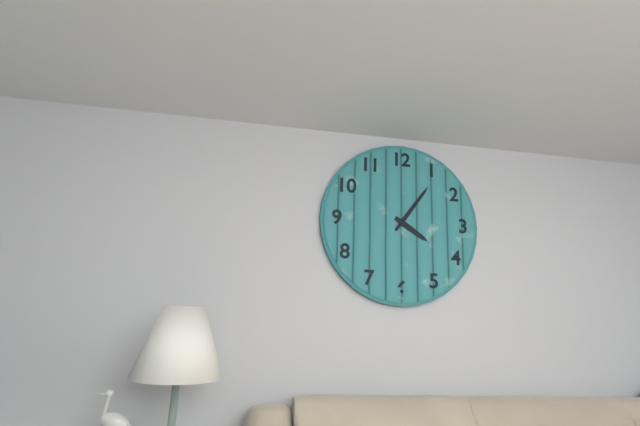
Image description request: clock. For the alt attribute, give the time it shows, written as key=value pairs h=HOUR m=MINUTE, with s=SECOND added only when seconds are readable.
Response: h=4 m=6
